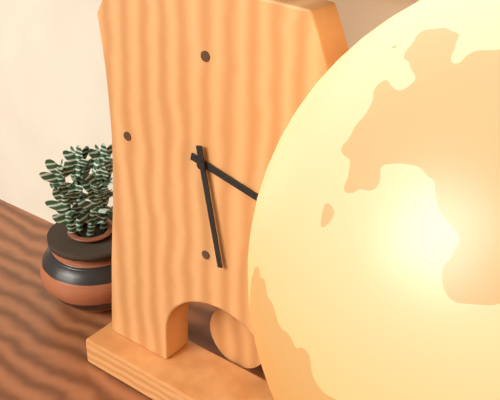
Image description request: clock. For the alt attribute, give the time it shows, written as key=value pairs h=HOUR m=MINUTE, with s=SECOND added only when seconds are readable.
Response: h=3 m=28
